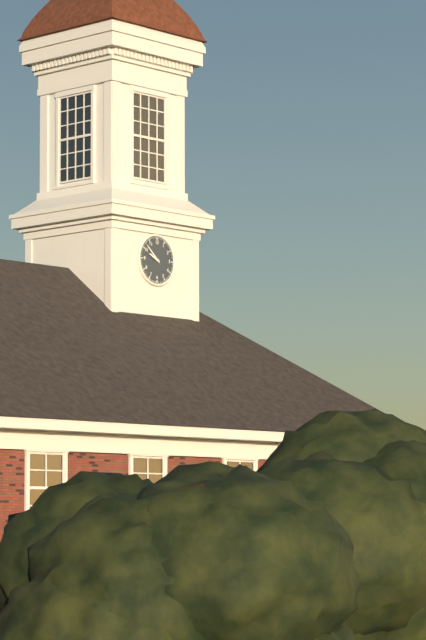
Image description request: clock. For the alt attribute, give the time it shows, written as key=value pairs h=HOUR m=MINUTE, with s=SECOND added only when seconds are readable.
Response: h=9 m=52
